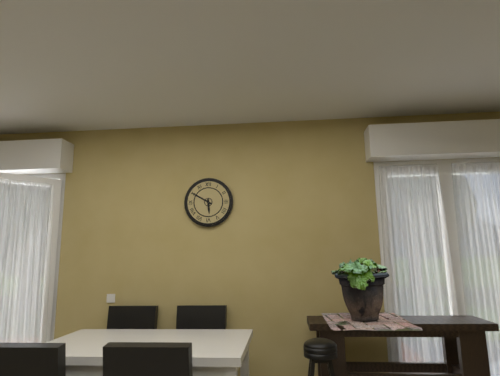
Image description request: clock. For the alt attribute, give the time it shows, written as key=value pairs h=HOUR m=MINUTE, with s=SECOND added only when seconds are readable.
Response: h=5 m=50
